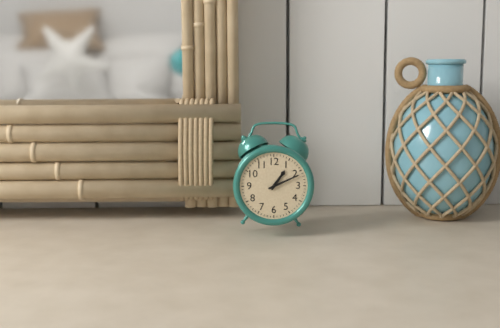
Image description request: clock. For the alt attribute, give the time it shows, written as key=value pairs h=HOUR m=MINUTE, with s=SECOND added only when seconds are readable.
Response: h=1 m=11
